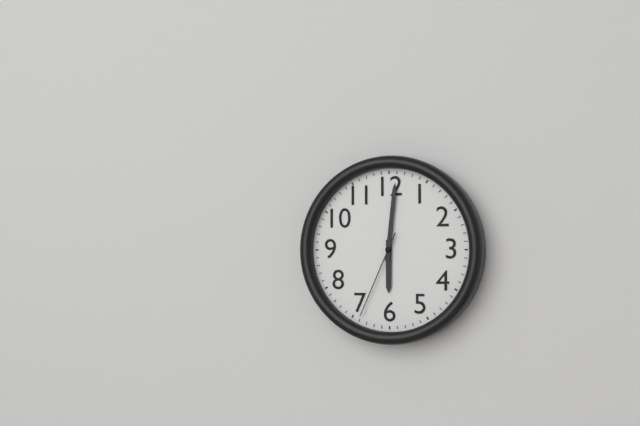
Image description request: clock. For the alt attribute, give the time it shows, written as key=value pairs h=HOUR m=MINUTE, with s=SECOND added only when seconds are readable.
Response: h=6 m=1 s=34
